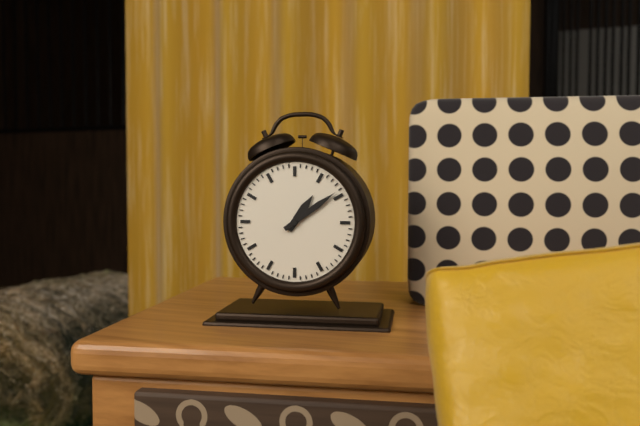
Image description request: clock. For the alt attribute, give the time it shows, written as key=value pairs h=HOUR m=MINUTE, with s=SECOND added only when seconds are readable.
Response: h=1 m=9
